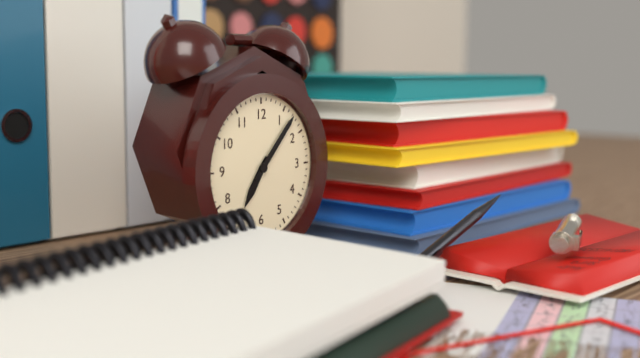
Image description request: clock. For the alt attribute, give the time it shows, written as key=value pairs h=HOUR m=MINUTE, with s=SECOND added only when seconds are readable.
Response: h=7 m=7
